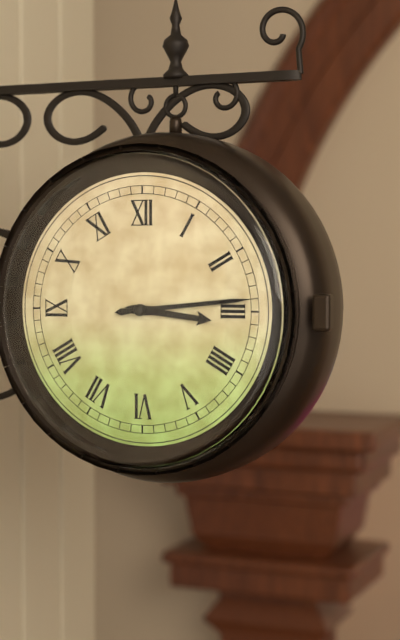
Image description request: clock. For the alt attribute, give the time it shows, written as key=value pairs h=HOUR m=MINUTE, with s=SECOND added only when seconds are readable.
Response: h=3 m=14
